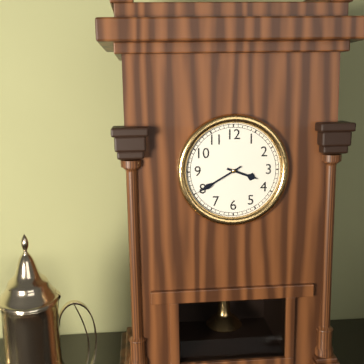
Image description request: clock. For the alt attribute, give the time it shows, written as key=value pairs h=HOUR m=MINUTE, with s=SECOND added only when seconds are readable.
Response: h=3 m=40
